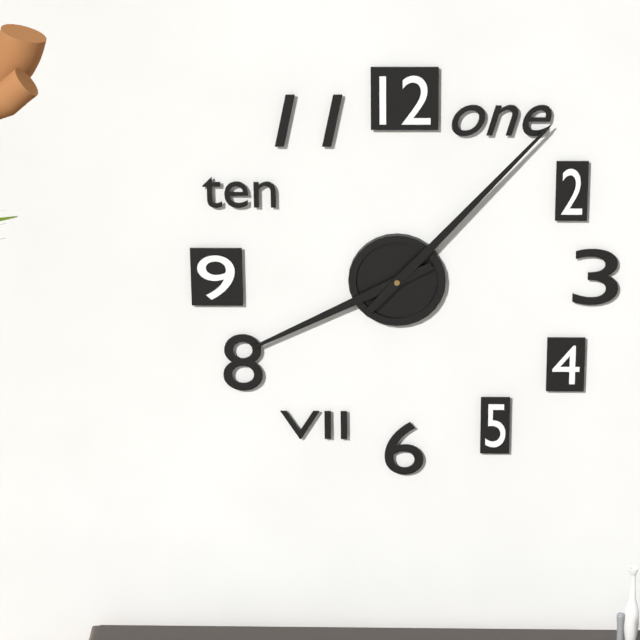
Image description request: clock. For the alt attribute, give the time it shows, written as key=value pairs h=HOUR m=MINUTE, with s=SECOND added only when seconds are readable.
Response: h=8 m=7
